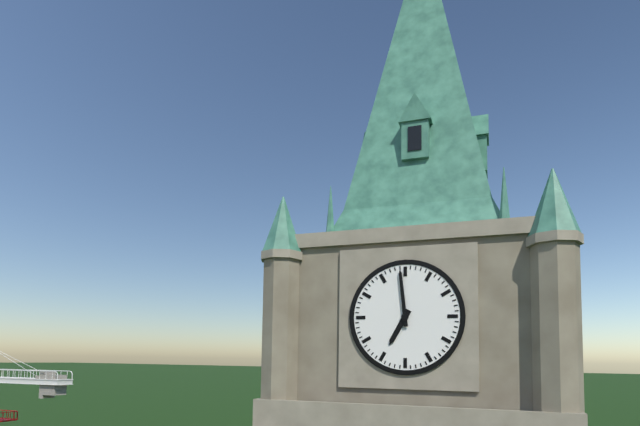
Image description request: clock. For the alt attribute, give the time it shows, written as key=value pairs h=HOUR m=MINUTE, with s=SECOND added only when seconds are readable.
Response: h=6 m=59
